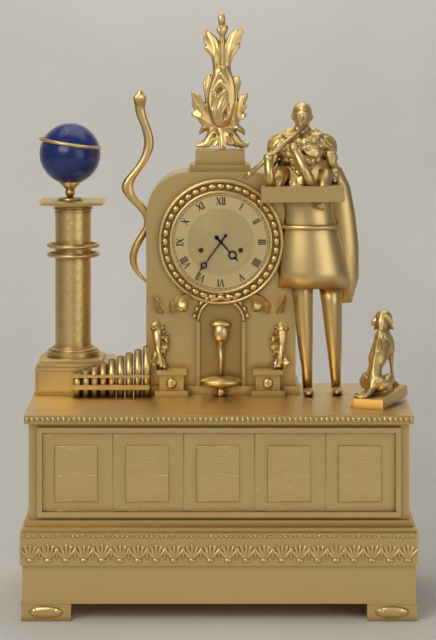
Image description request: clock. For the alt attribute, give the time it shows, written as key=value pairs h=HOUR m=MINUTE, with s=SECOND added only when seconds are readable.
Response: h=4 m=36
